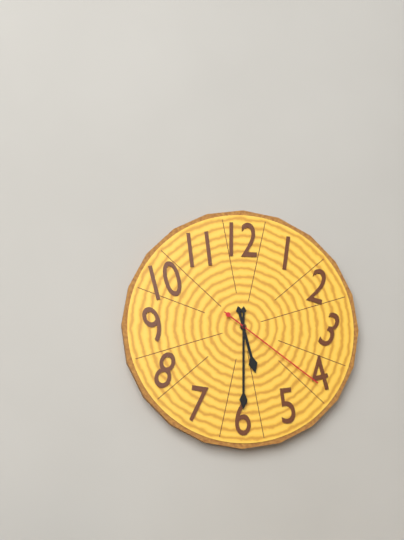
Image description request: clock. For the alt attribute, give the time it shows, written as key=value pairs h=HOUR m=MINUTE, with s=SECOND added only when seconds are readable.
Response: h=5 m=30 s=21
